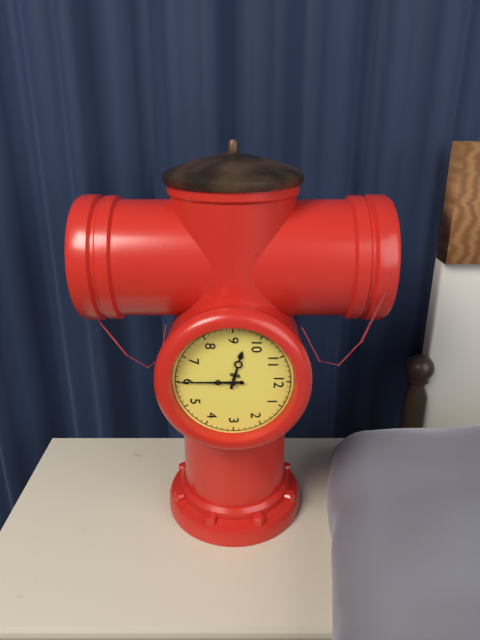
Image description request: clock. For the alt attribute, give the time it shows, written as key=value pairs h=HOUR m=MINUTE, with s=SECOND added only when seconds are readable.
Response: h=9 m=30
